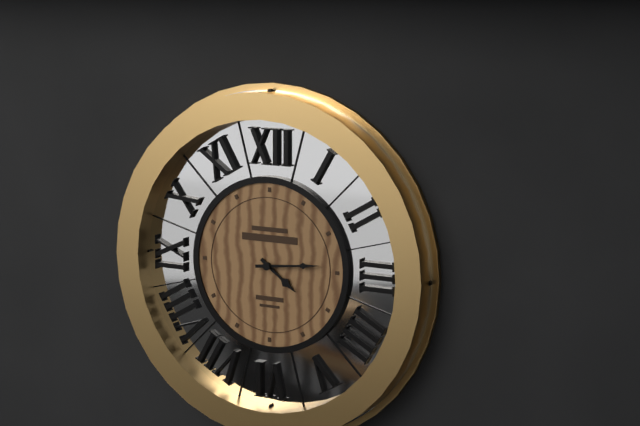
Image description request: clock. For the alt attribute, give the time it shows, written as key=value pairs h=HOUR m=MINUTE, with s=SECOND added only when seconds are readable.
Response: h=4 m=14
